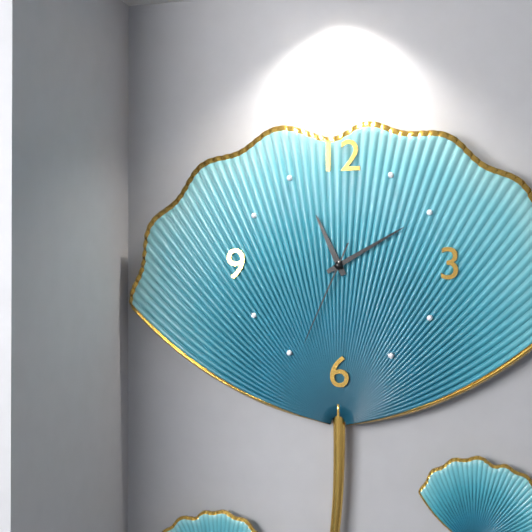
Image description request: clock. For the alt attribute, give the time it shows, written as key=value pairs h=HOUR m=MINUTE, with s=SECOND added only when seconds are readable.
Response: h=11 m=10 s=34
